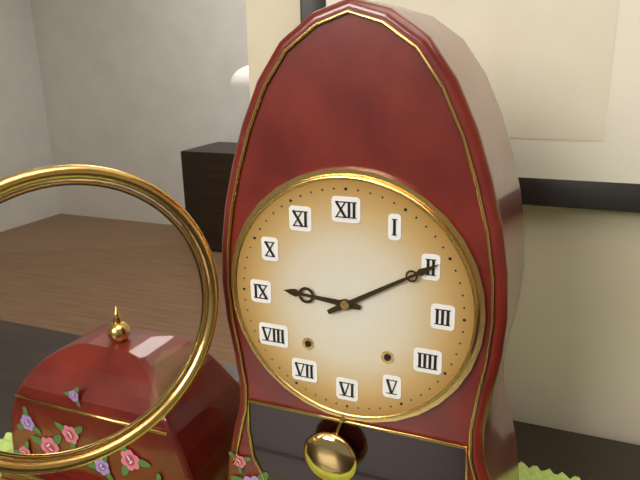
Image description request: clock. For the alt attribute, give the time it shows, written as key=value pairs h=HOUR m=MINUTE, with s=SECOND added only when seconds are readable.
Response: h=9 m=10
